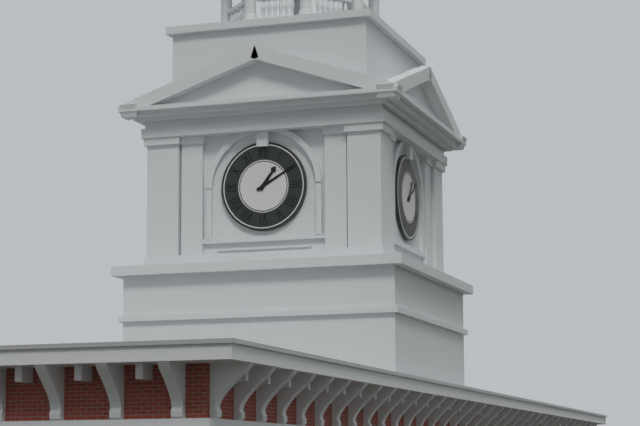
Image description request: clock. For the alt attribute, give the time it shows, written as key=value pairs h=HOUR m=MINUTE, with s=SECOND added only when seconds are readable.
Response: h=1 m=10
